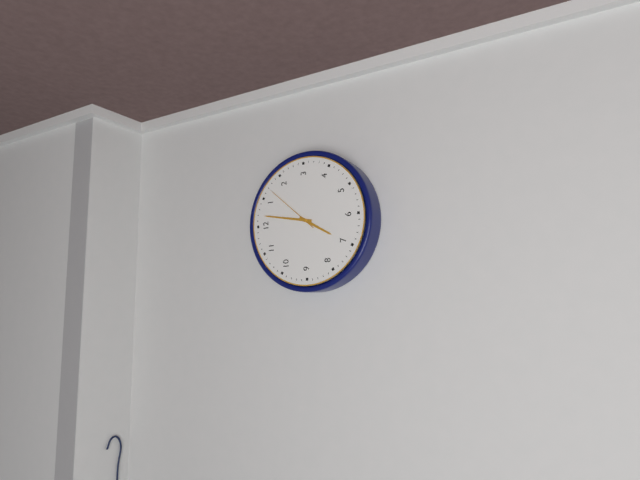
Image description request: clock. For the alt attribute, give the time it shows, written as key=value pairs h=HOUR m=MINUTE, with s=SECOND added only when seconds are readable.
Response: h=7 m=2 s=7
